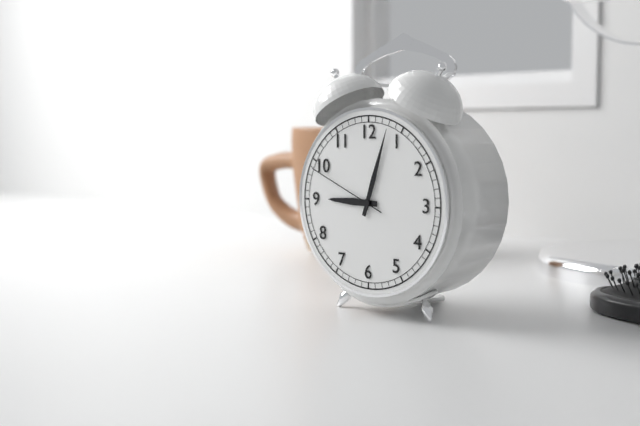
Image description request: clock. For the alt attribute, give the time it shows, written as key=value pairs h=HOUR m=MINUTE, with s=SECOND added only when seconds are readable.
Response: h=9 m=3 s=49
